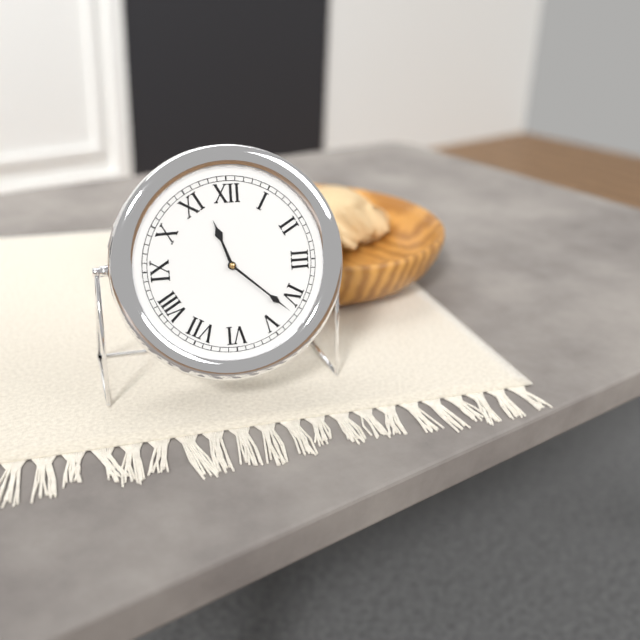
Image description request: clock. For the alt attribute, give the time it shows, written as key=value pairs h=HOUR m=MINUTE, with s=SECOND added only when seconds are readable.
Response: h=11 m=22
